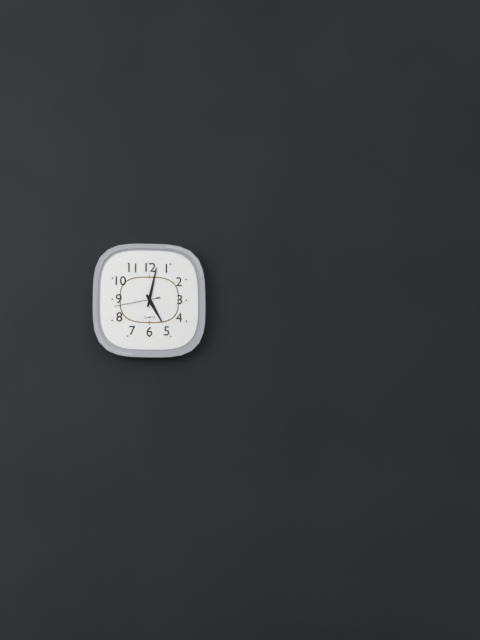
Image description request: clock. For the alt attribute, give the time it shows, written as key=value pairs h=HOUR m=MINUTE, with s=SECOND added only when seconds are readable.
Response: h=5 m=2
